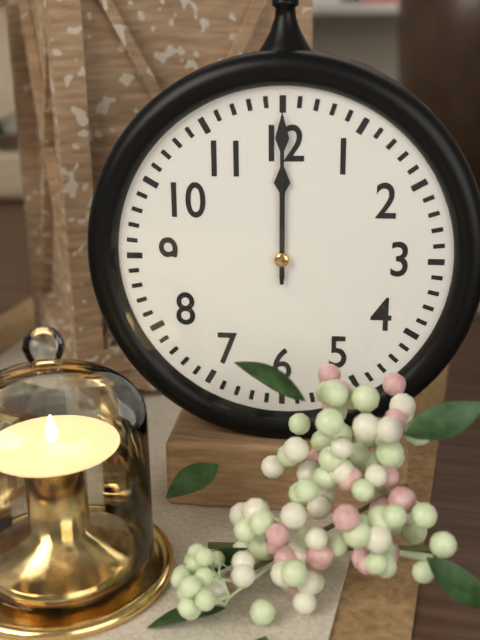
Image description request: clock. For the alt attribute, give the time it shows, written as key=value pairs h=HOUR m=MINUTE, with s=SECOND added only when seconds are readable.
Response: h=12 m=0
